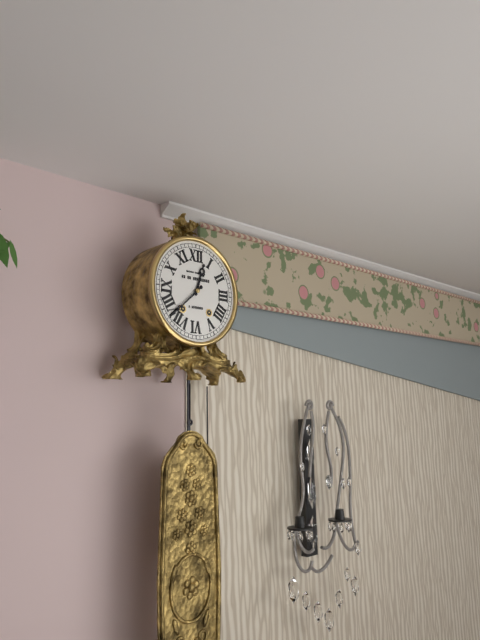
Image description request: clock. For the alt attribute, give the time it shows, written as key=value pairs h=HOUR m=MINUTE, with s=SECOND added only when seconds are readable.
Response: h=12 m=38
